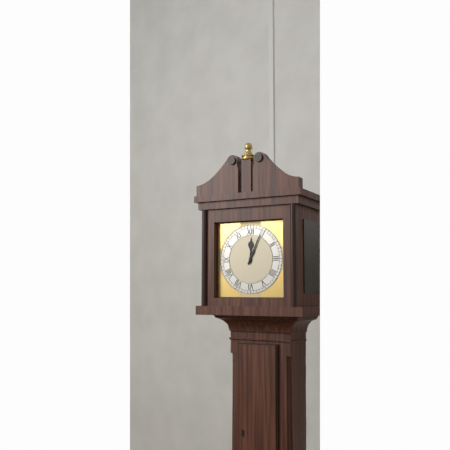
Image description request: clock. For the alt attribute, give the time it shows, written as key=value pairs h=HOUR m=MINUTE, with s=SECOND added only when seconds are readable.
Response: h=12 m=4
